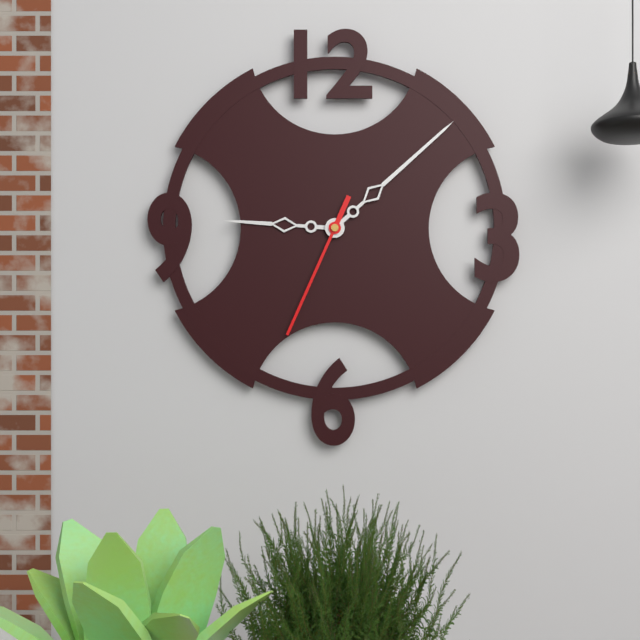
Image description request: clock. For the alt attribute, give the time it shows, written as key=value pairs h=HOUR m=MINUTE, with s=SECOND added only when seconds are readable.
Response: h=9 m=8 s=34
